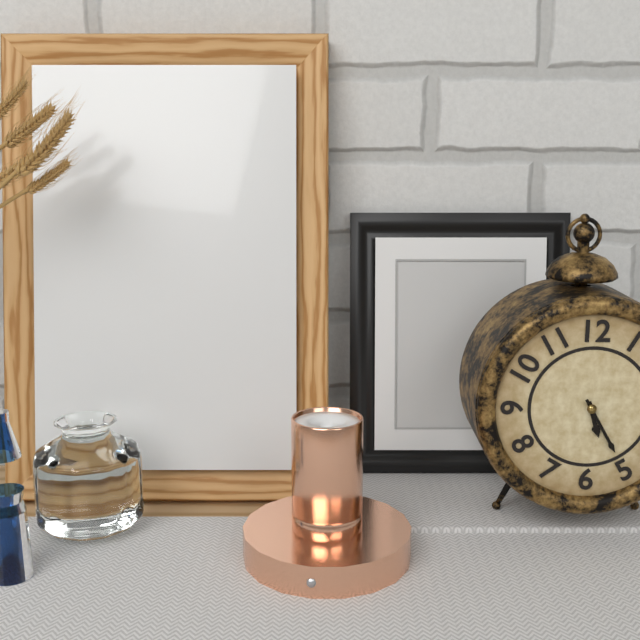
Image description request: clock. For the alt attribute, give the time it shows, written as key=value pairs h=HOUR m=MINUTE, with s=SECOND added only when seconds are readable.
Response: h=5 m=25
